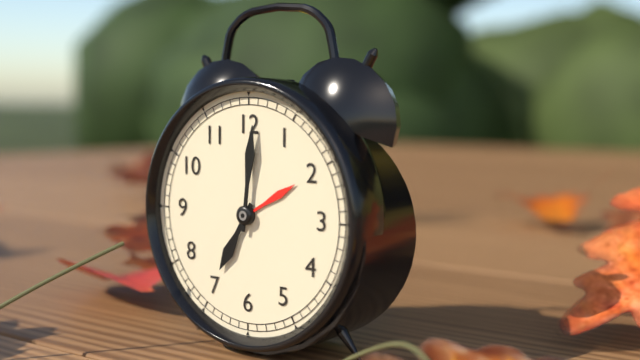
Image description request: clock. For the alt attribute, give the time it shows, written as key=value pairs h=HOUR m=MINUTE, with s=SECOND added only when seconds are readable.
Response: h=7 m=1
